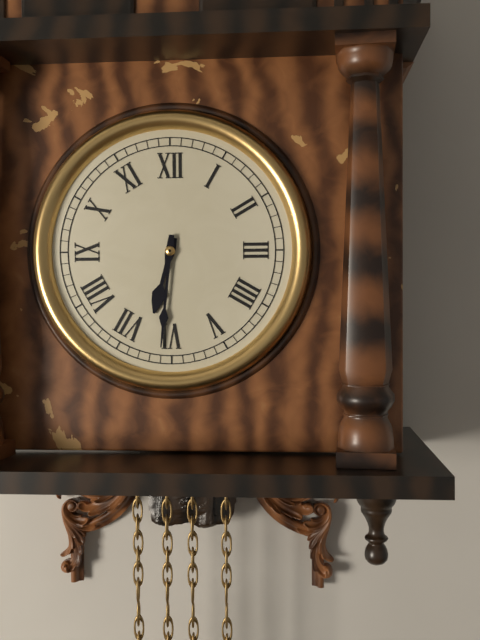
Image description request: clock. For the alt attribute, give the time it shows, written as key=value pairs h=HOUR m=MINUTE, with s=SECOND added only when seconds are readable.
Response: h=6 m=31
